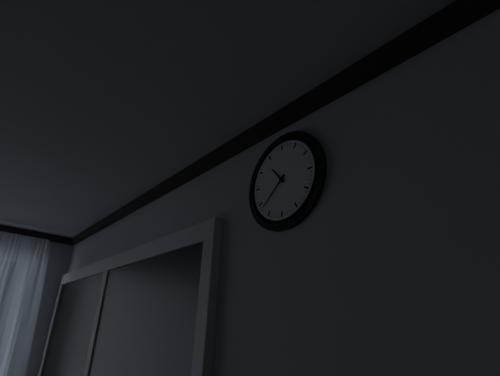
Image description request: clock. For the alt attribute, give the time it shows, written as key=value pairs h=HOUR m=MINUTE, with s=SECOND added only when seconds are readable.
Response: h=10 m=38
